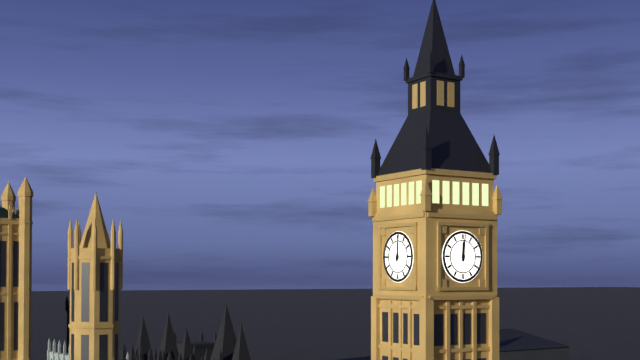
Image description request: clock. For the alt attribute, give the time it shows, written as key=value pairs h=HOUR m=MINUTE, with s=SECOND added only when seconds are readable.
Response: h=12 m=1
